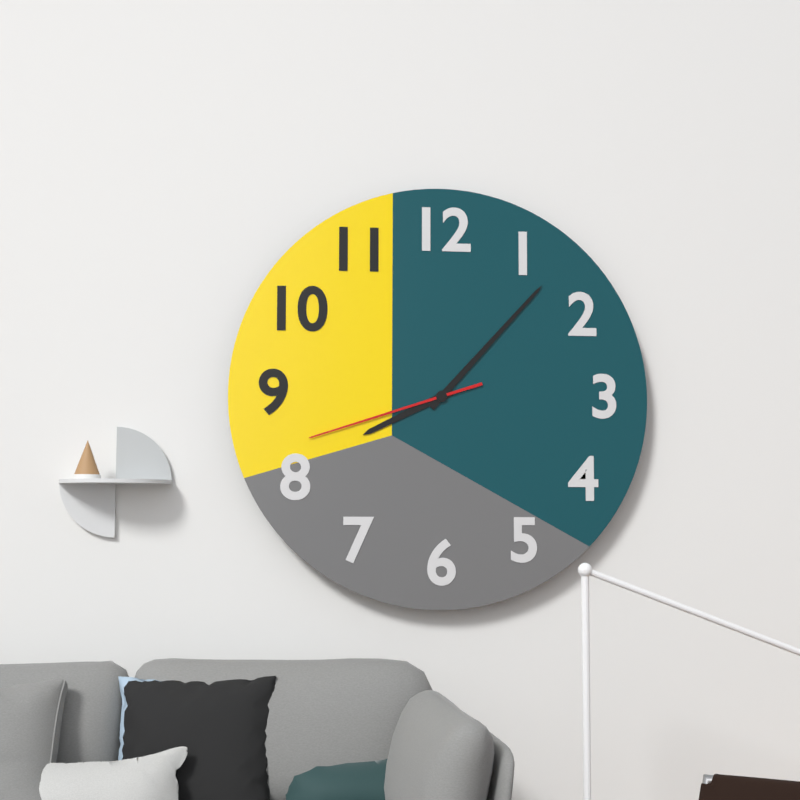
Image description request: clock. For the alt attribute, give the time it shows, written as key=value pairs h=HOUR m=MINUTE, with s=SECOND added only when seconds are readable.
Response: h=8 m=7 s=42
